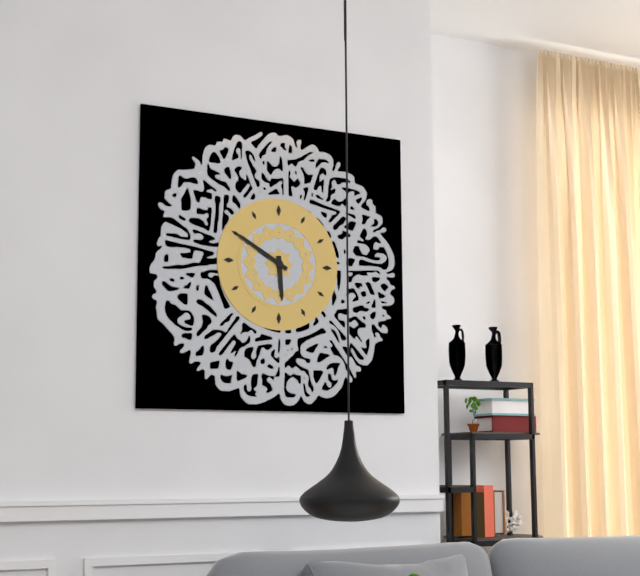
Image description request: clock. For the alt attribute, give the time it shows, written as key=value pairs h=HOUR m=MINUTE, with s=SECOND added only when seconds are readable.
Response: h=5 m=50
